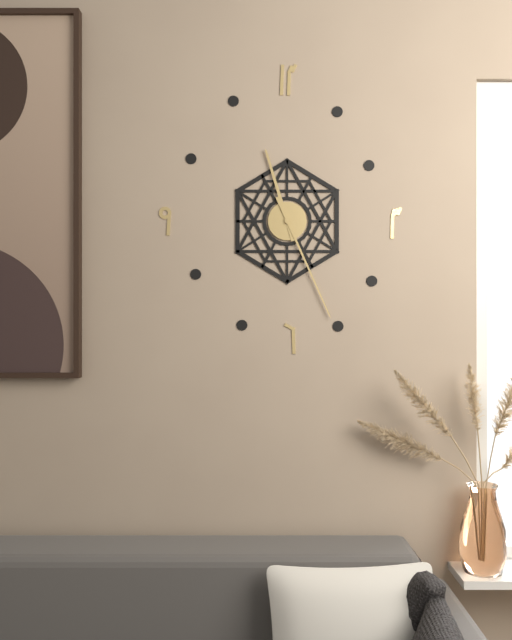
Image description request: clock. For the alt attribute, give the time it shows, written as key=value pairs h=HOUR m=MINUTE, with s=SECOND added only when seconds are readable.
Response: h=11 m=26
